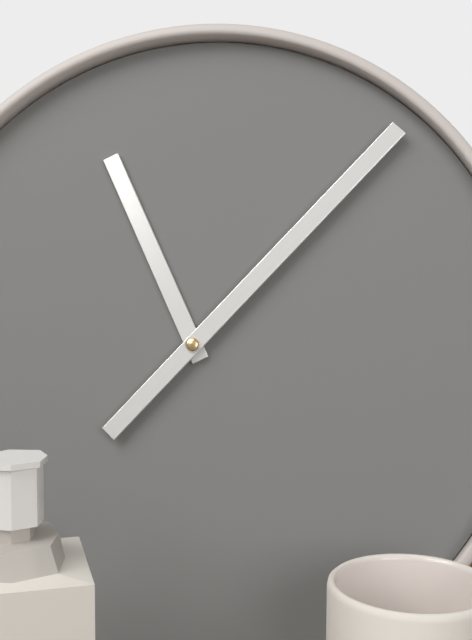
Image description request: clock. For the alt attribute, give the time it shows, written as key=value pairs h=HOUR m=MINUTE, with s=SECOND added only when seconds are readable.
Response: h=11 m=7
